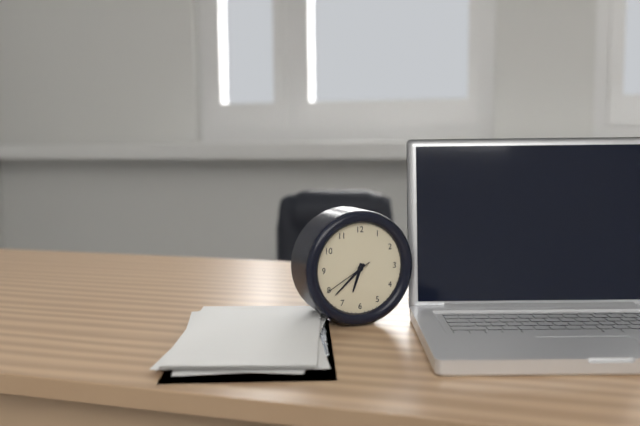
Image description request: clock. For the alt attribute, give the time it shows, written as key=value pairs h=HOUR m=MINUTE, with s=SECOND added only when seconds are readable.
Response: h=6 m=38 s=40
